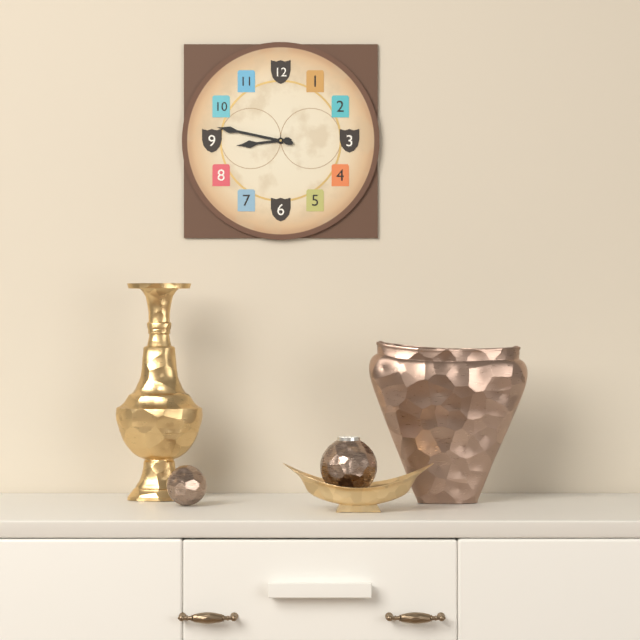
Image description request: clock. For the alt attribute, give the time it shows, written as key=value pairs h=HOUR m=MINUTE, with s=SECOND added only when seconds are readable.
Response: h=8 m=47
